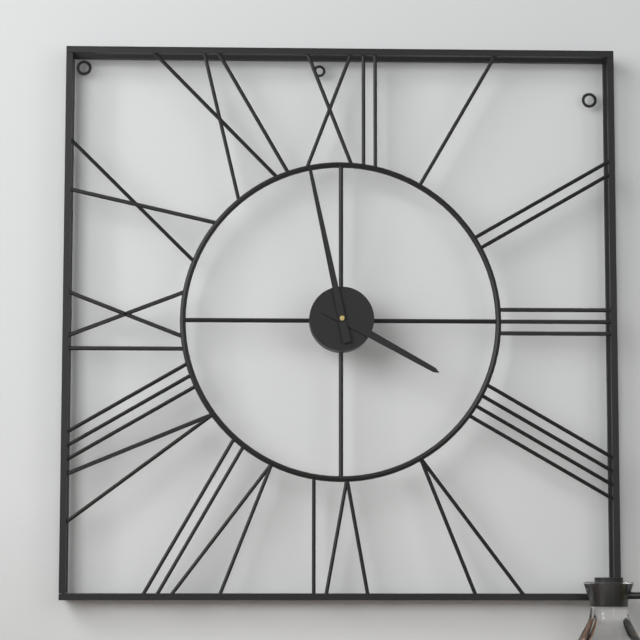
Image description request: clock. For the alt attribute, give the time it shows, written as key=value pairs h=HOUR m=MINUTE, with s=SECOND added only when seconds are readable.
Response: h=3 m=58
